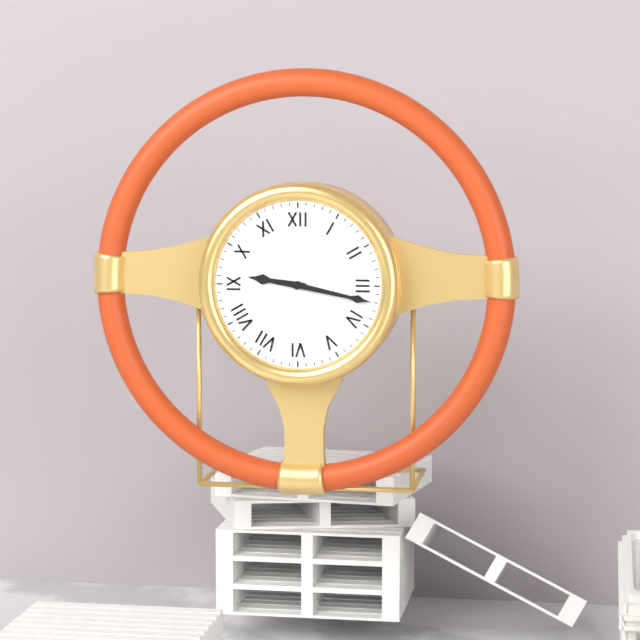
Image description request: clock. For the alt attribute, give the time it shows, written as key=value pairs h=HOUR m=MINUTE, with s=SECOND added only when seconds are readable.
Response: h=9 m=17
